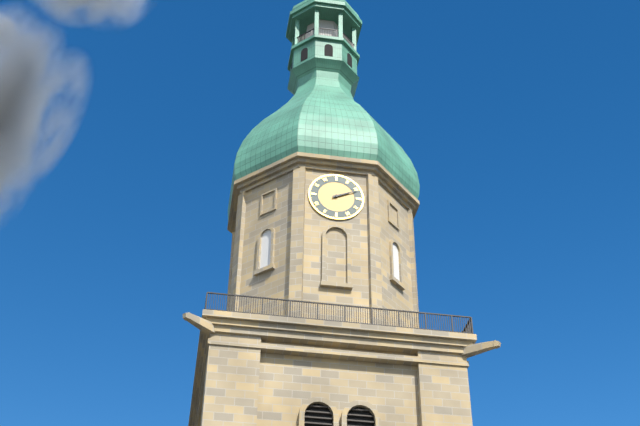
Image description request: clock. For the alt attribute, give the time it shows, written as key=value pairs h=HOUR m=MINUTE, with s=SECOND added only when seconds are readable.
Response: h=2 m=11
